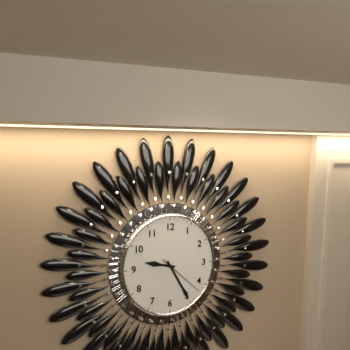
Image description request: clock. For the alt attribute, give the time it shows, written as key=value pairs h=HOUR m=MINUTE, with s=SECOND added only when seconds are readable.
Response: h=9 m=25 s=22
